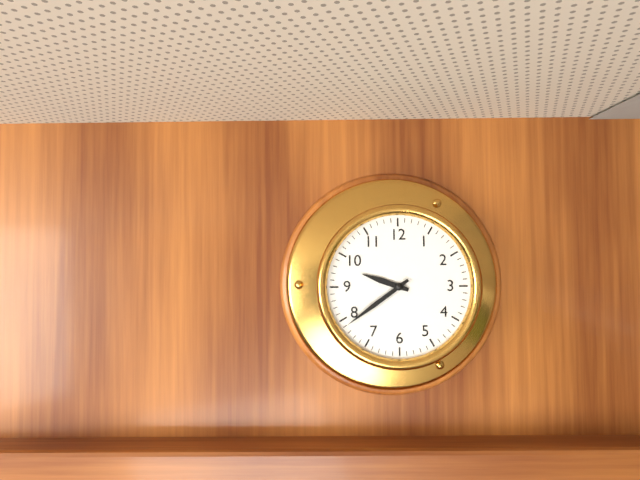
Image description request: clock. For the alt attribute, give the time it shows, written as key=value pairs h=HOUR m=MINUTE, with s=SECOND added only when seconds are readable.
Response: h=9 m=39
